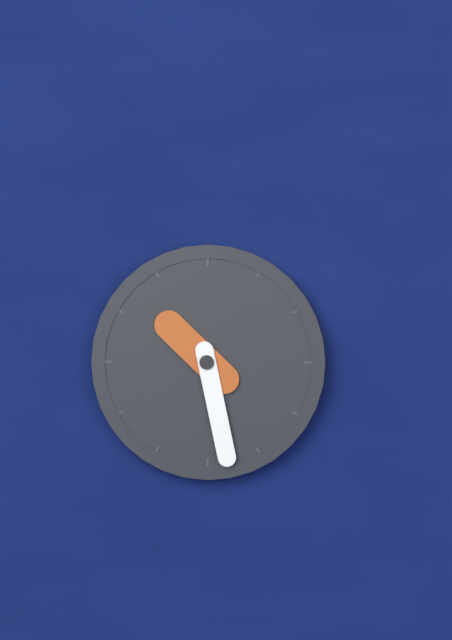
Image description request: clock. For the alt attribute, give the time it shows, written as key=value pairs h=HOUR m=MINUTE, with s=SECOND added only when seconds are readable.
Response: h=10 m=28
